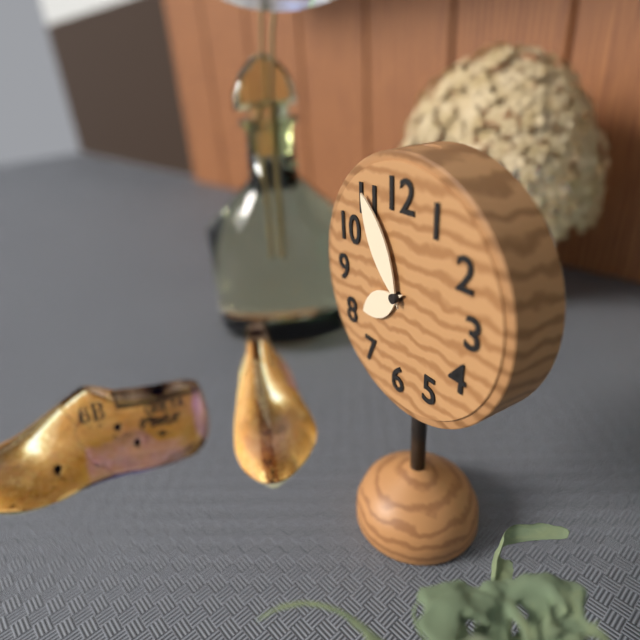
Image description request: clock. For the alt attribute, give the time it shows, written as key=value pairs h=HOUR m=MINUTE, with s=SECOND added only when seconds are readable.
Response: h=7 m=55
